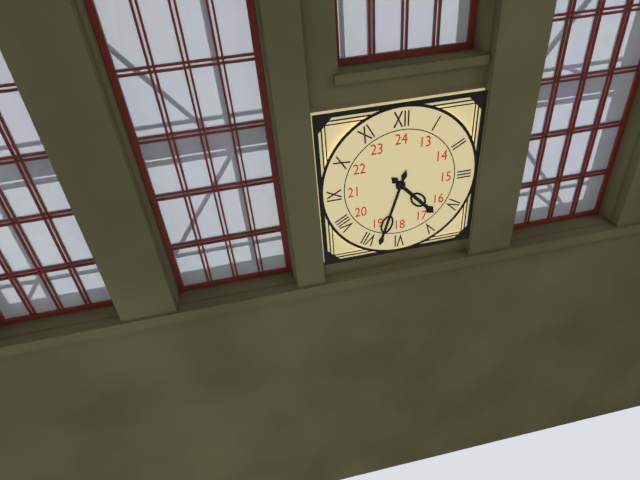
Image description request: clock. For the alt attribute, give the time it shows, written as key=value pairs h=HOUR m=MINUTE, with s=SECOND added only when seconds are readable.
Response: h=4 m=33
